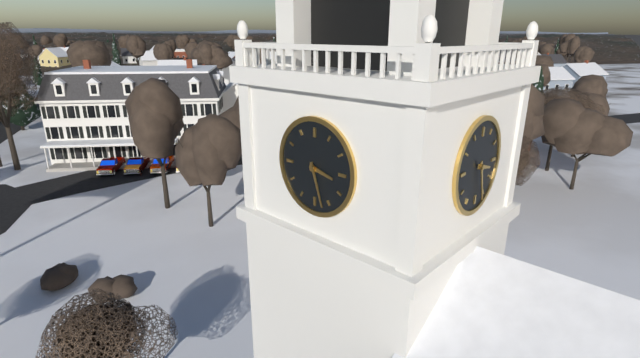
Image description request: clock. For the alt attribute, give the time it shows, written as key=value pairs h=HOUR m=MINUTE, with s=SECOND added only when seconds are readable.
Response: h=3 m=27
